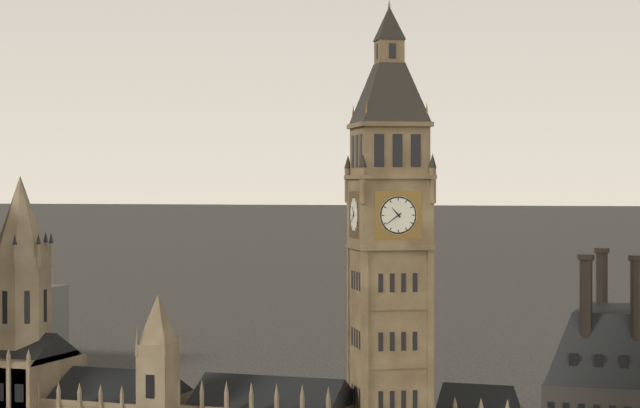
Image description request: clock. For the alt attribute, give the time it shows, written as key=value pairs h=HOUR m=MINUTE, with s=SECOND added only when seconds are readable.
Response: h=10 m=39
